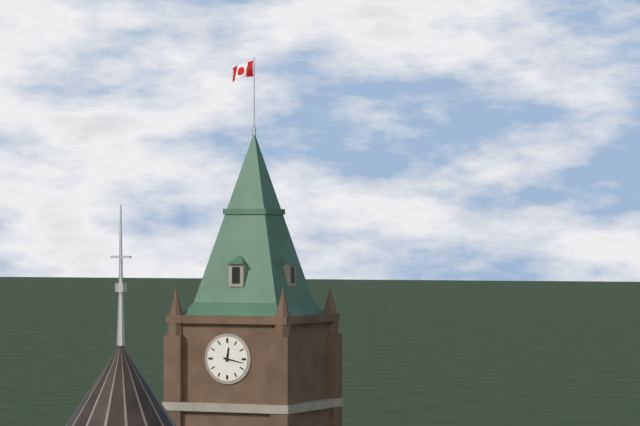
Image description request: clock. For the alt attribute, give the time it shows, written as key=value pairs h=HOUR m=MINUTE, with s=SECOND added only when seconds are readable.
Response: h=12 m=17
